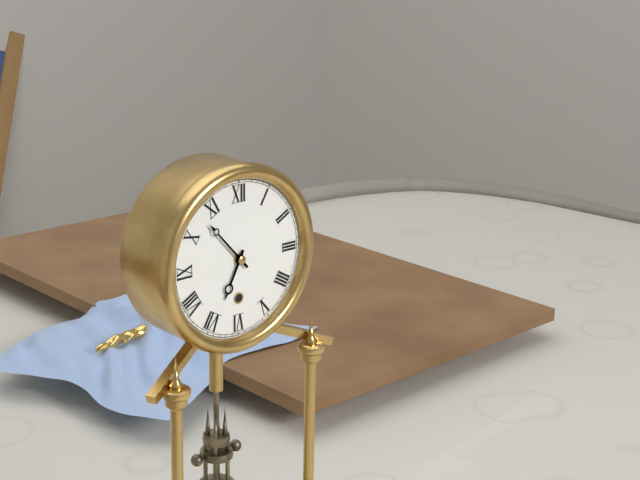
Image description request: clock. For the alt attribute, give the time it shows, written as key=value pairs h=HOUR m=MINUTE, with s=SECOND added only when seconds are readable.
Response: h=6 m=53
